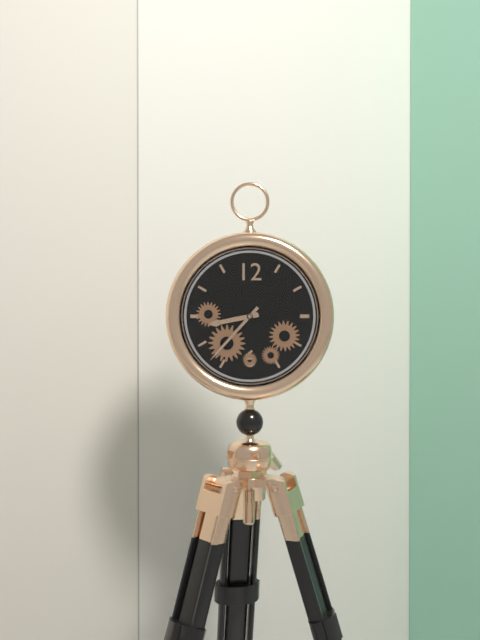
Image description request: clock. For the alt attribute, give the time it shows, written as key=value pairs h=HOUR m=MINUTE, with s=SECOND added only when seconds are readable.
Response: h=8 m=37
